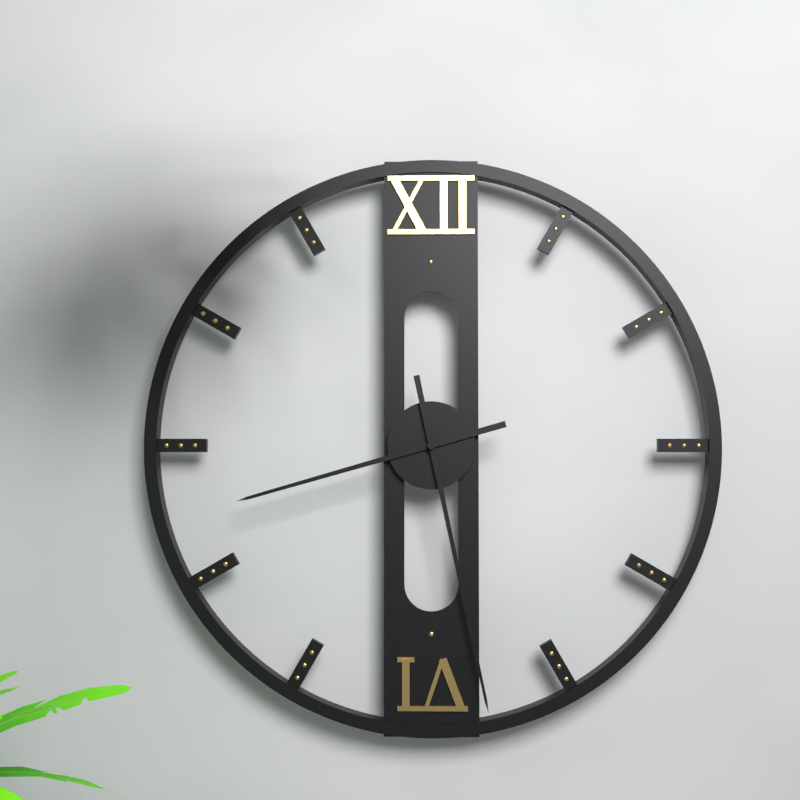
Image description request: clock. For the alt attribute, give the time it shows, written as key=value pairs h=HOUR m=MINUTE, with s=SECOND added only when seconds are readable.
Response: h=8 m=28
